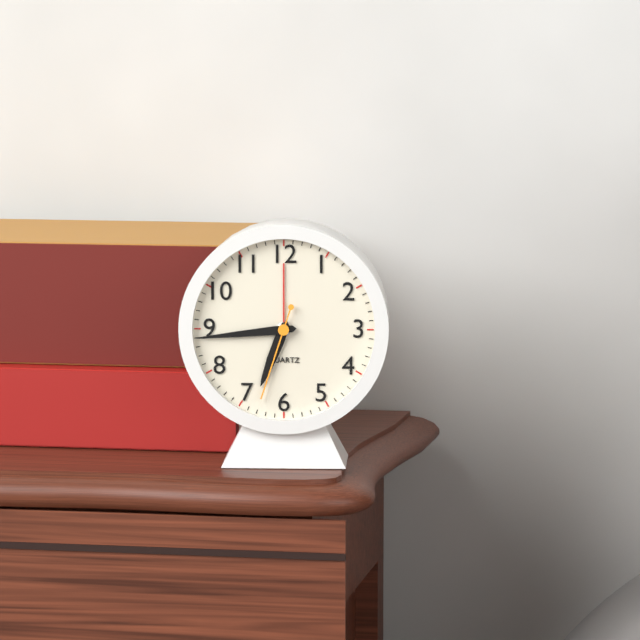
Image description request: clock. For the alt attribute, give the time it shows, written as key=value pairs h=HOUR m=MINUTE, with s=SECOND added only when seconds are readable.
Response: h=6 m=44 s=33
